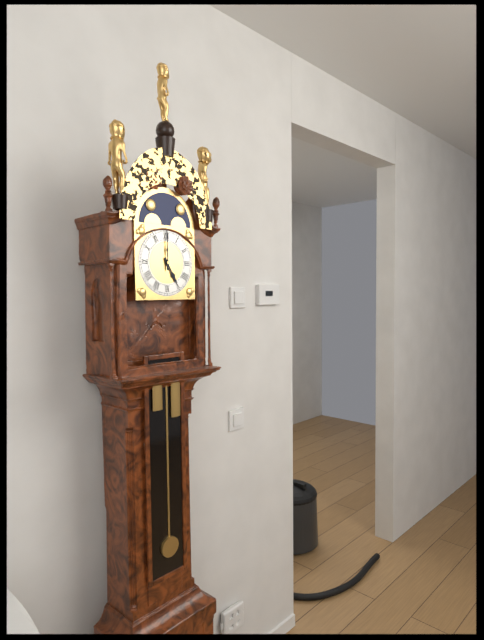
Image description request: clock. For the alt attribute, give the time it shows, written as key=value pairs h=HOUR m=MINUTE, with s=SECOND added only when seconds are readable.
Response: h=5 m=0
